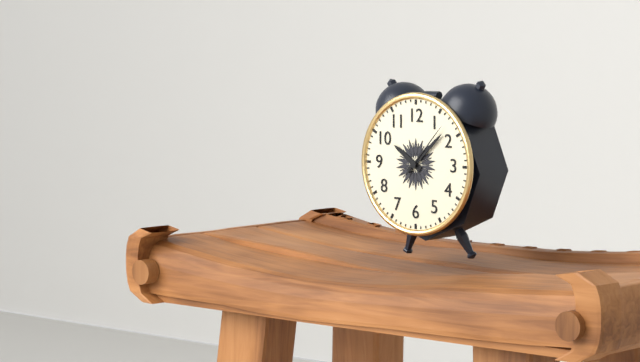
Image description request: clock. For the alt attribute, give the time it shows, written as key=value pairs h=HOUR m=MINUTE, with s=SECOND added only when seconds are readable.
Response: h=10 m=8 s=7
